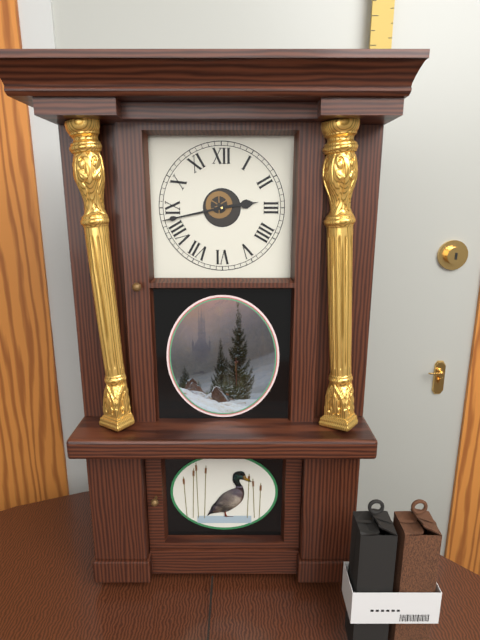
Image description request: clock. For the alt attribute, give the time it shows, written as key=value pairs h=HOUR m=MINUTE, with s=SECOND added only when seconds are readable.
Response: h=2 m=43
